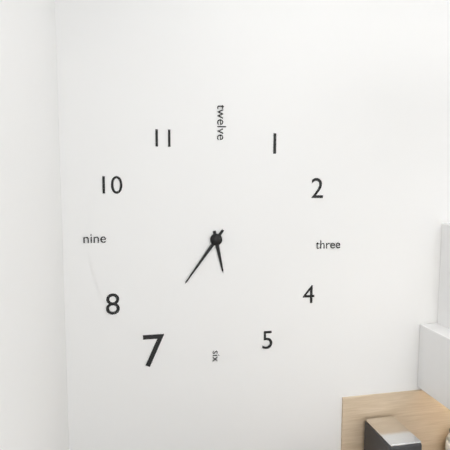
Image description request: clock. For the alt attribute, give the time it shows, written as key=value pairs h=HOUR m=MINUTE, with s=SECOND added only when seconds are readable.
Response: h=5 m=36
